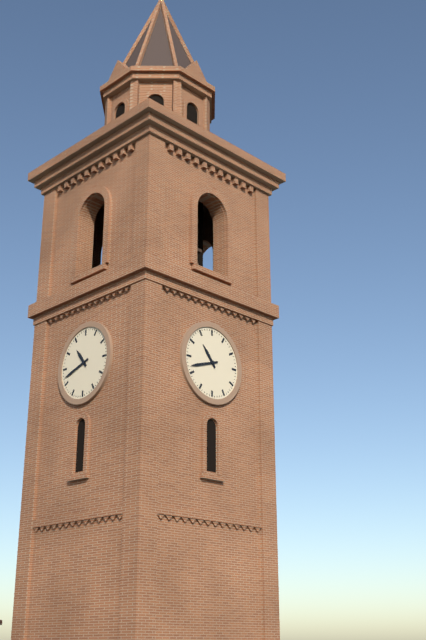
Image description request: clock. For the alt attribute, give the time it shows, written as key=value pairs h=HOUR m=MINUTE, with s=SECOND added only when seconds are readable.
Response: h=10 m=42
